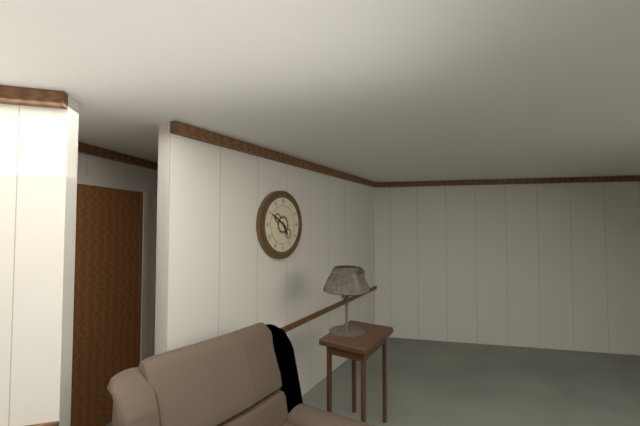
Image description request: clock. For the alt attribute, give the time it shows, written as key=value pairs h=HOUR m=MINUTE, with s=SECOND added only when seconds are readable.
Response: h=4 m=50
